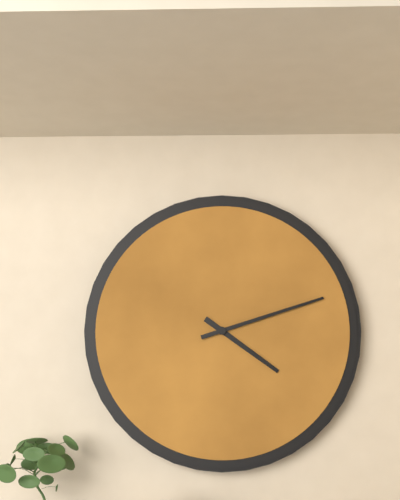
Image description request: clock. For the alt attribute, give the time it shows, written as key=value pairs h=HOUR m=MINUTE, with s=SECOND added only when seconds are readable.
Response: h=4 m=12
